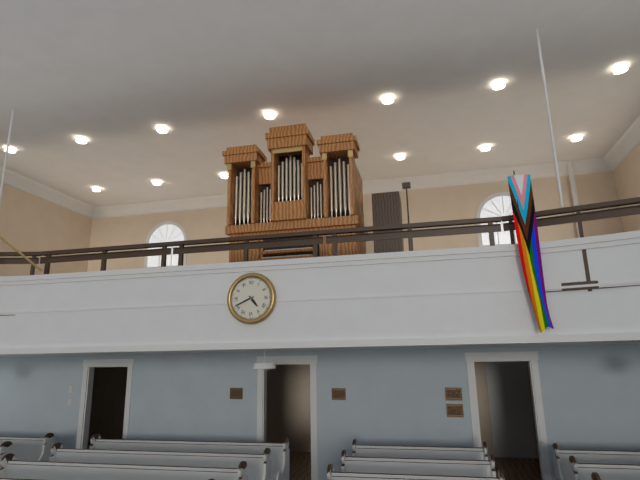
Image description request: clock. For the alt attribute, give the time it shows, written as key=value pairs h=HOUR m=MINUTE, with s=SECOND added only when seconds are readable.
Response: h=4 m=41
